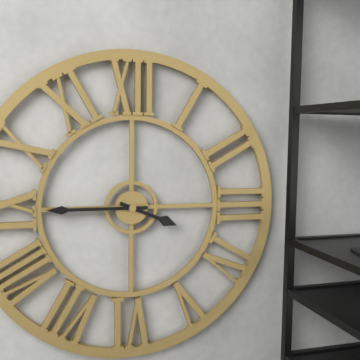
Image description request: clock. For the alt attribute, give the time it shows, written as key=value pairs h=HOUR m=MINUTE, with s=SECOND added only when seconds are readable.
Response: h=3 m=45
